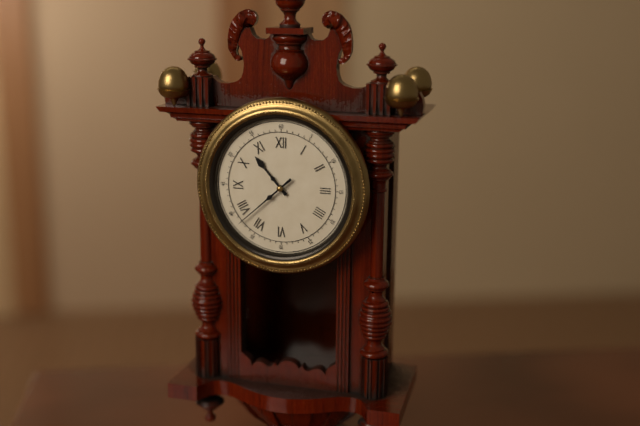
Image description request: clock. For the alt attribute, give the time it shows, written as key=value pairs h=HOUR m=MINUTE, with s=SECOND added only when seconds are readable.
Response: h=10 m=38
